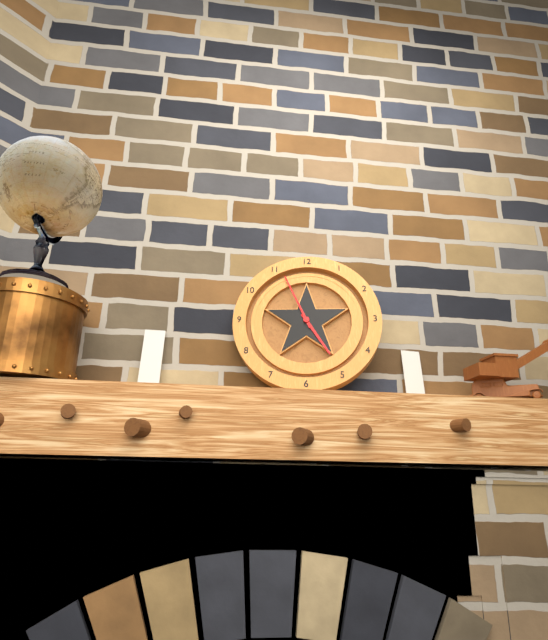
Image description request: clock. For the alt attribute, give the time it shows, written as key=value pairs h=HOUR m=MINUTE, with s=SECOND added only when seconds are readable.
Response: h=4 m=56
